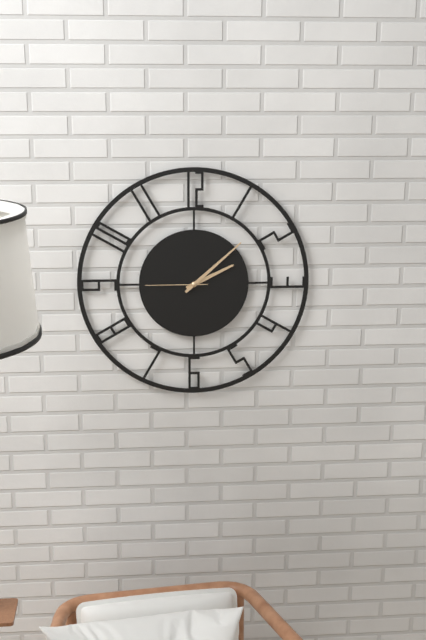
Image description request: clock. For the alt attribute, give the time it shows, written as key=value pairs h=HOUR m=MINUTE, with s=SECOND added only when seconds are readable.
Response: h=2 m=8 s=45
